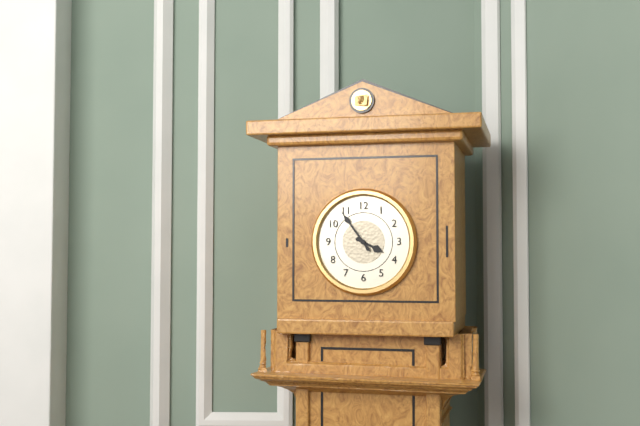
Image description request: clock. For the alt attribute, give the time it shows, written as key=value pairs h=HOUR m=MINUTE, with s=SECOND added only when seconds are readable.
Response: h=3 m=54
